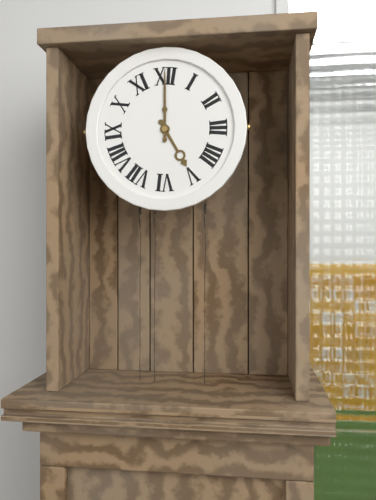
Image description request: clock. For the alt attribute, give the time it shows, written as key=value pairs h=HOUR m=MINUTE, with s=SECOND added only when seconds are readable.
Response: h=5 m=0
